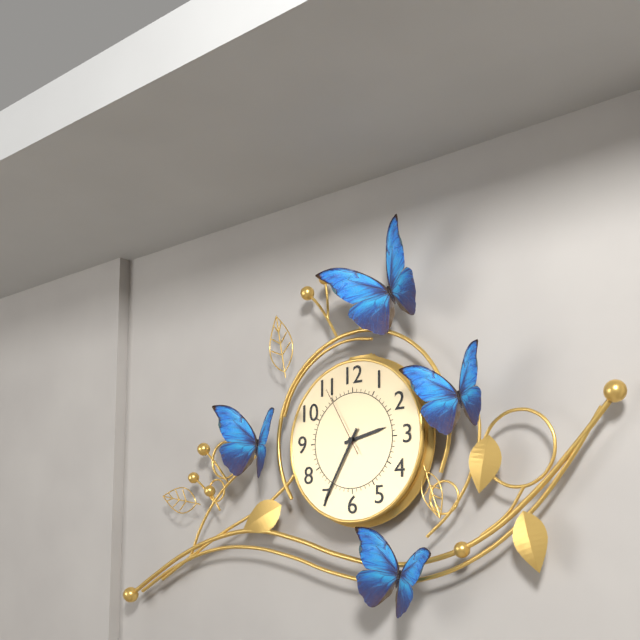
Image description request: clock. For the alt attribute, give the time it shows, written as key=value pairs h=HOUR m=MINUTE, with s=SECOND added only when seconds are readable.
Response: h=2 m=35 s=55
